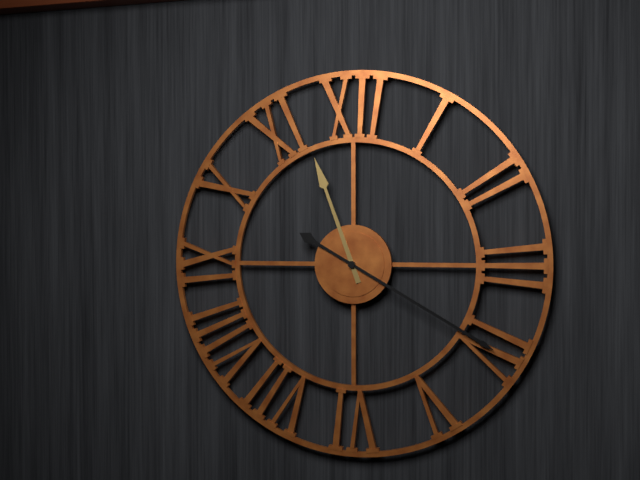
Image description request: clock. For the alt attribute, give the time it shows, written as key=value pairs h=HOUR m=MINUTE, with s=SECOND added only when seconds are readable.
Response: h=11 m=20
